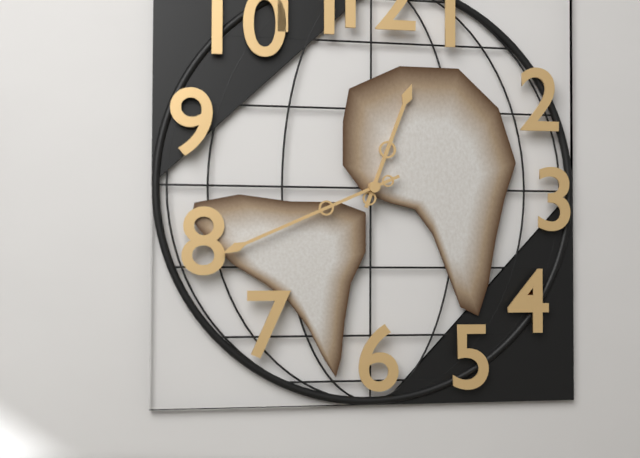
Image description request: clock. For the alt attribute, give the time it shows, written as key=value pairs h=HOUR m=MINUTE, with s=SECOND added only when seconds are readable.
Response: h=12 m=41
